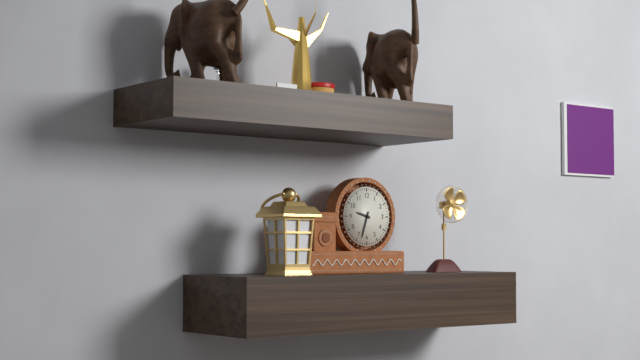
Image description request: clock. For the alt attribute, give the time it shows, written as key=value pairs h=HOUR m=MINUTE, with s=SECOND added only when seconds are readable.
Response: h=9 m=33
